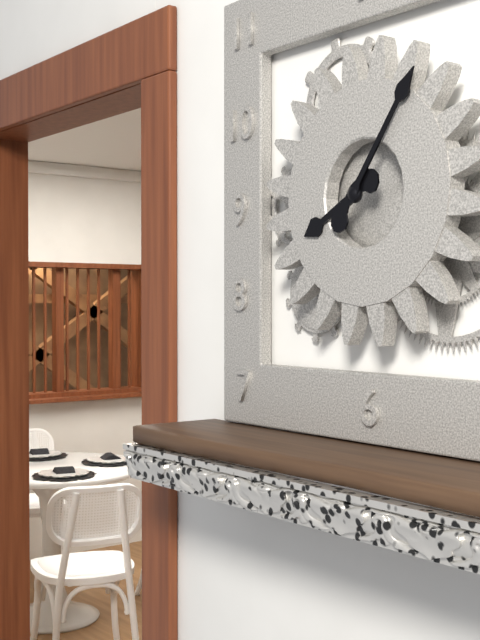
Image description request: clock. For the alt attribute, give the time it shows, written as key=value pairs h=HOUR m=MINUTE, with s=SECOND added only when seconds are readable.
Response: h=8 m=6
